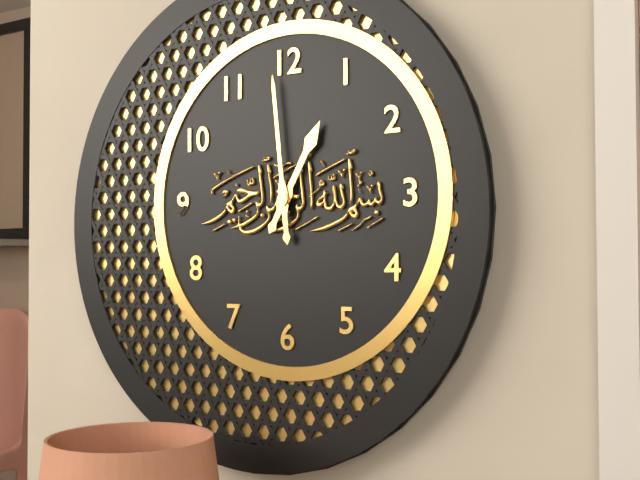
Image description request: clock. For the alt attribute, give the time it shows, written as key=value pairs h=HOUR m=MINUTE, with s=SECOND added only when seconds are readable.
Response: h=12 m=59
